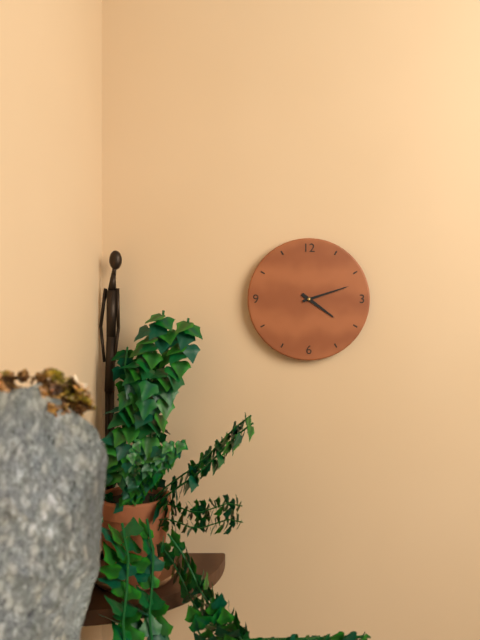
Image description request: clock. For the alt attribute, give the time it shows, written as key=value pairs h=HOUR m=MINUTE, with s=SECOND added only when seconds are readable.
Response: h=4 m=12
